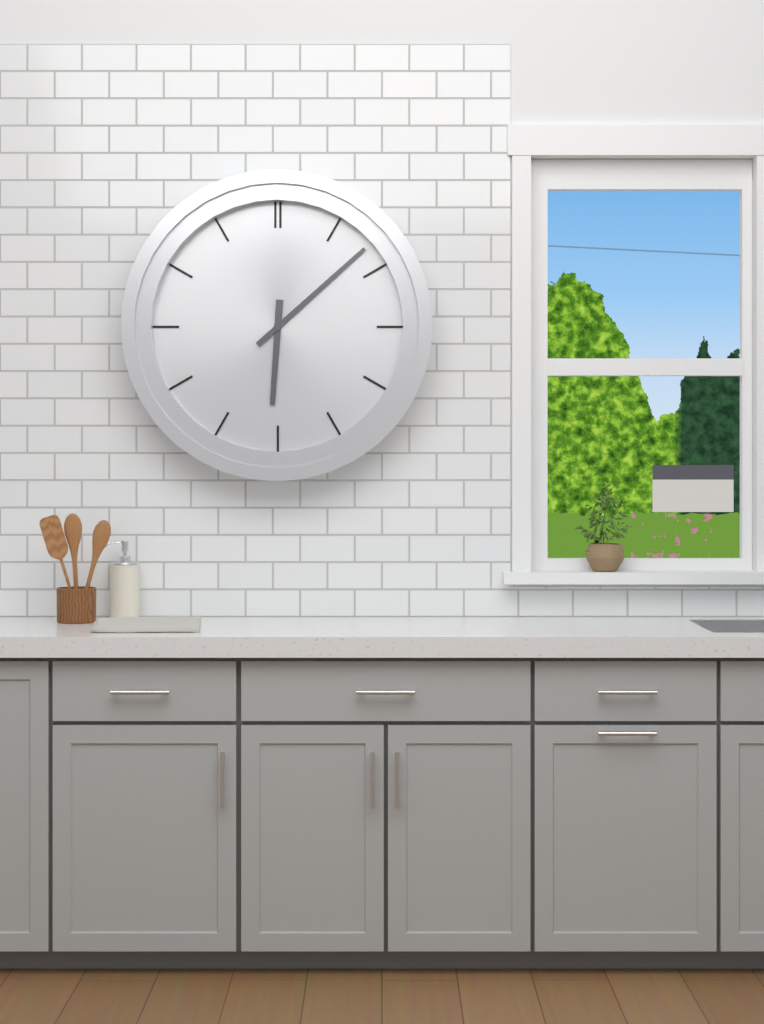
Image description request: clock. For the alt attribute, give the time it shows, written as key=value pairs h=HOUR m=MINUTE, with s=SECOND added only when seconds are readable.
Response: h=6 m=8
